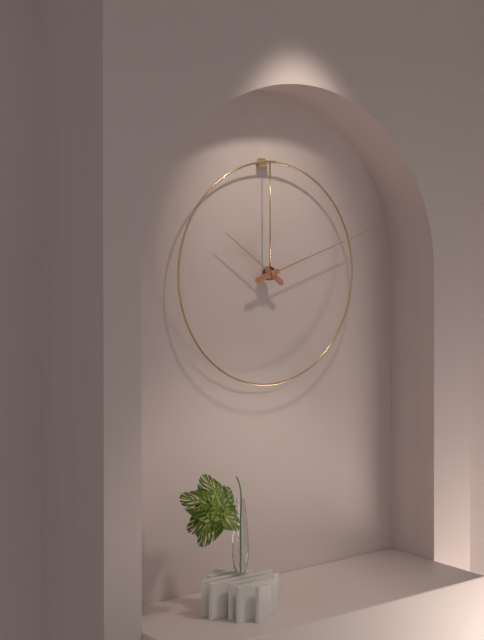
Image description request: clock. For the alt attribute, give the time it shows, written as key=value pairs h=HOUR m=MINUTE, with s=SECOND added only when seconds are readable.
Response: h=10 m=12
